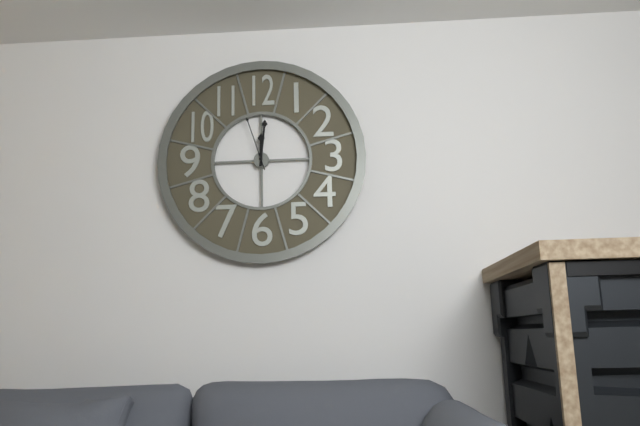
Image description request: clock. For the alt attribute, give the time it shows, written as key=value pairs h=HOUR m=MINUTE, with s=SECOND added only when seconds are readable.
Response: h=12 m=1 s=57
